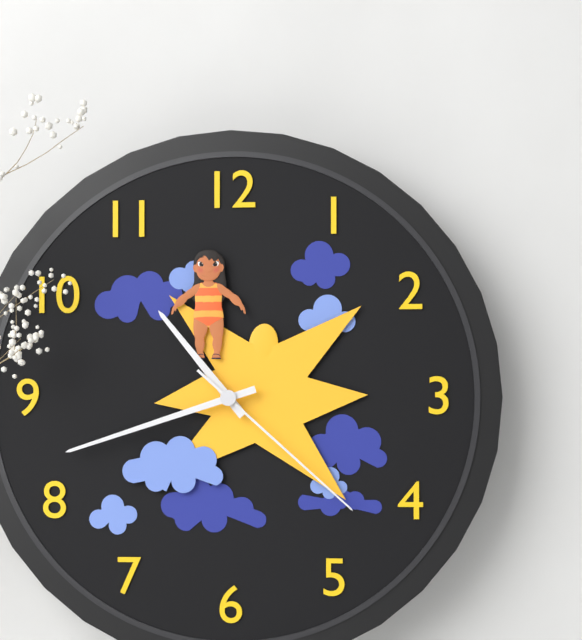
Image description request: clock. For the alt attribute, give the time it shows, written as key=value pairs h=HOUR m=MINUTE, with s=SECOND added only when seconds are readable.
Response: h=10 m=42 s=22
